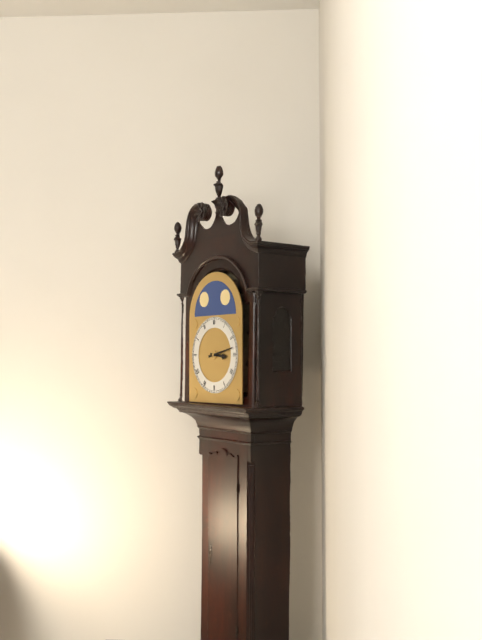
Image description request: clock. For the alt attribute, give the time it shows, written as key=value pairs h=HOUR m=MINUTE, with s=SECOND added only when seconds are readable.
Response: h=3 m=13
